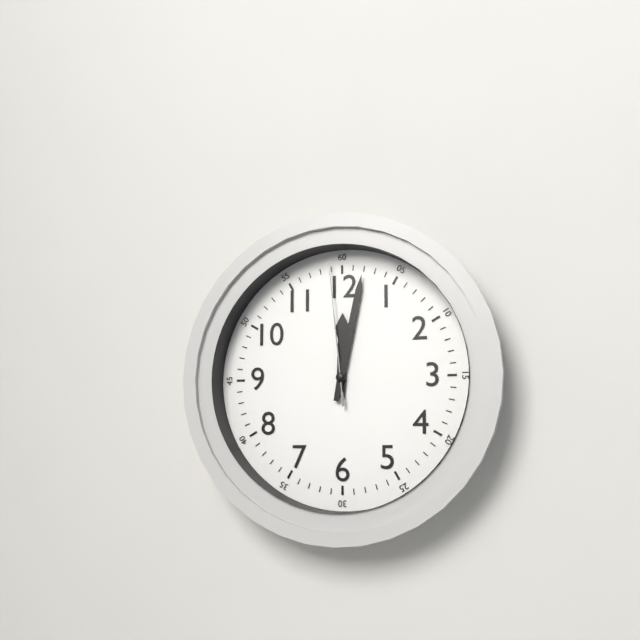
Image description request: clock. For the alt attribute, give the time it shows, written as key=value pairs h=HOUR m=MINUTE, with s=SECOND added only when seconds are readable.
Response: h=12 m=2 s=59
